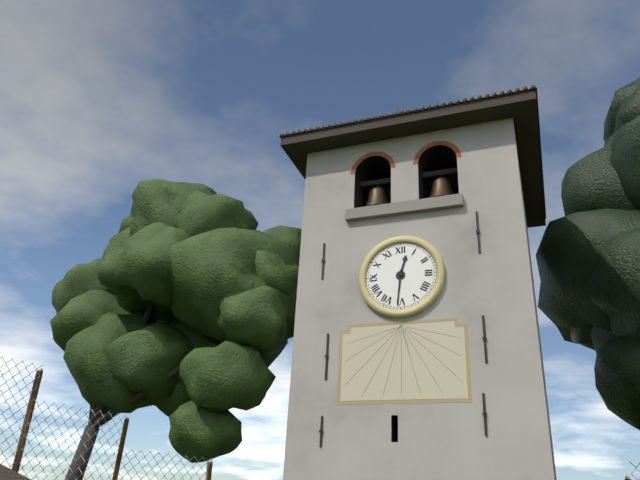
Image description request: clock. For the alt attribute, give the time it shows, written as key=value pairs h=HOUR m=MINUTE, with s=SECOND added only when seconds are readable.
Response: h=12 m=31
